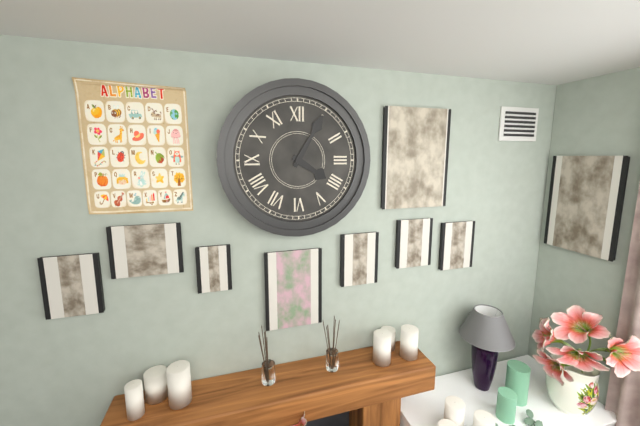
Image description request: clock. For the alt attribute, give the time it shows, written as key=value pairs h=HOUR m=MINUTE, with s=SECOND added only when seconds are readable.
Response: h=4 m=5
